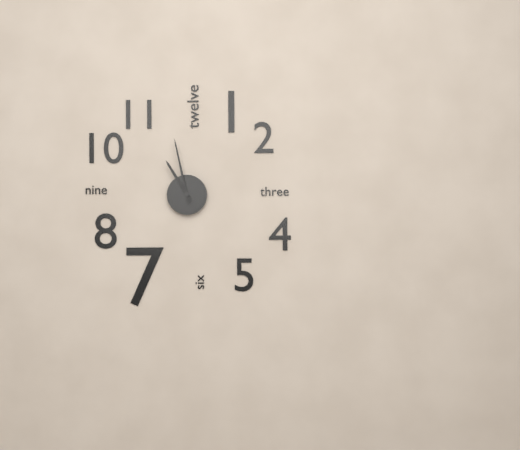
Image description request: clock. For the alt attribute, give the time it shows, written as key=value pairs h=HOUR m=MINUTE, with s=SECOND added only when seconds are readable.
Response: h=10 m=58
